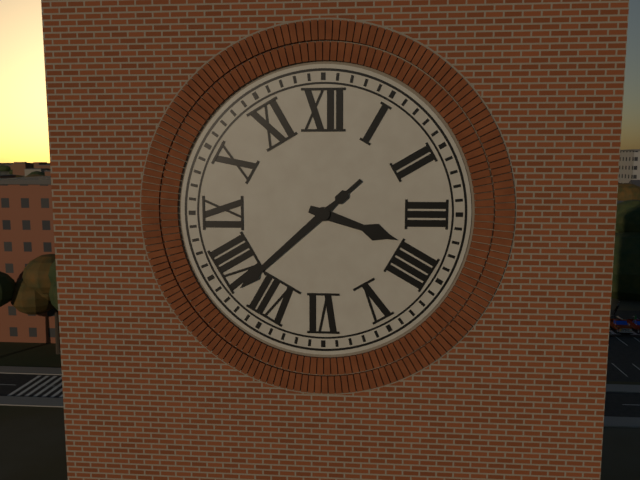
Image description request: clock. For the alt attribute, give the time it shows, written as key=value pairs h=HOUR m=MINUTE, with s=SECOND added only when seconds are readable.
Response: h=3 m=38
